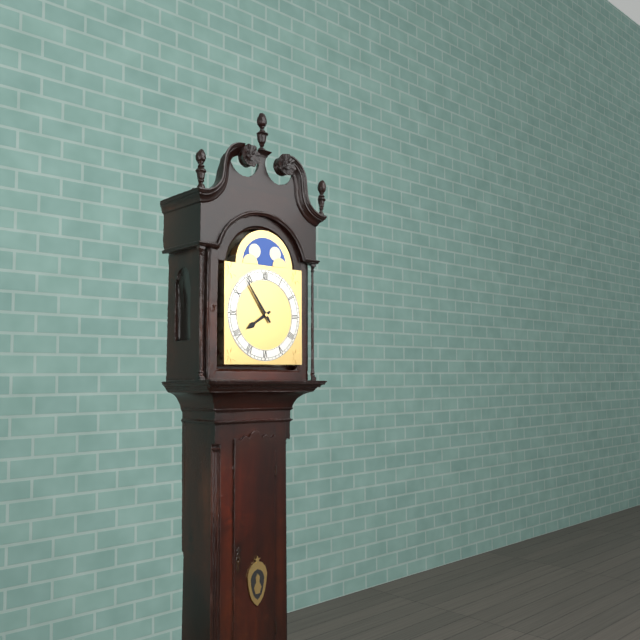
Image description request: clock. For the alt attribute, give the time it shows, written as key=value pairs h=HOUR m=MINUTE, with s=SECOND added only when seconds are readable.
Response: h=7 m=54
